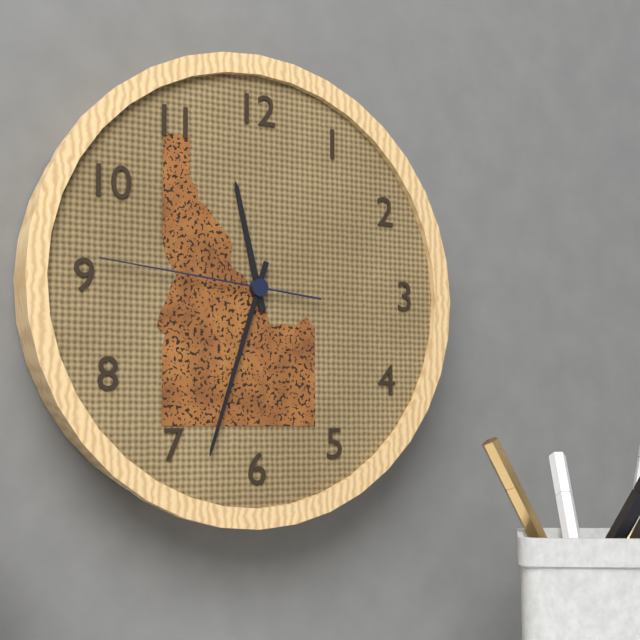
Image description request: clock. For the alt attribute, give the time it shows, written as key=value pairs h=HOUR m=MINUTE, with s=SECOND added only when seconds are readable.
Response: h=11 m=33 s=46
